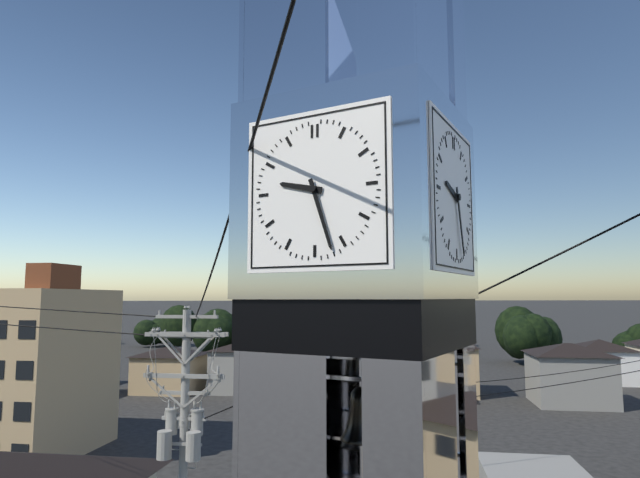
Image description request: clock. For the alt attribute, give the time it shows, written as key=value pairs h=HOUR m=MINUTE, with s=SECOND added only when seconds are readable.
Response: h=9 m=27
